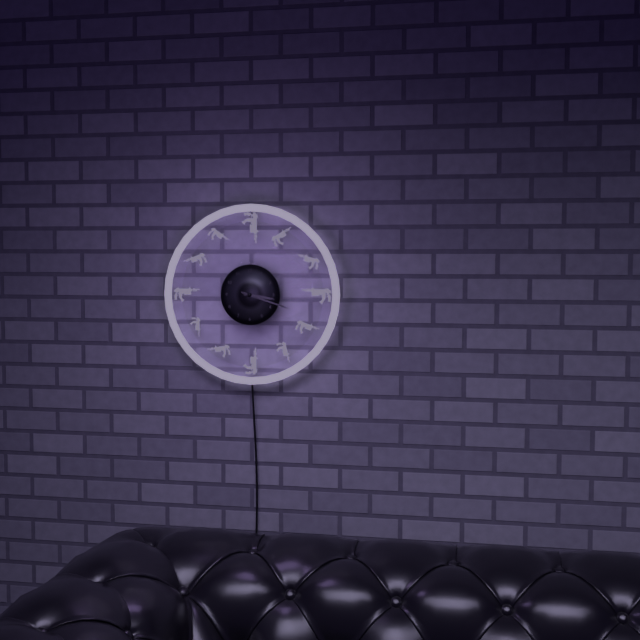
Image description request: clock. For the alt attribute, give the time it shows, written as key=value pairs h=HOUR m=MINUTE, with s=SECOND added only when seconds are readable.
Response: h=3 m=18
